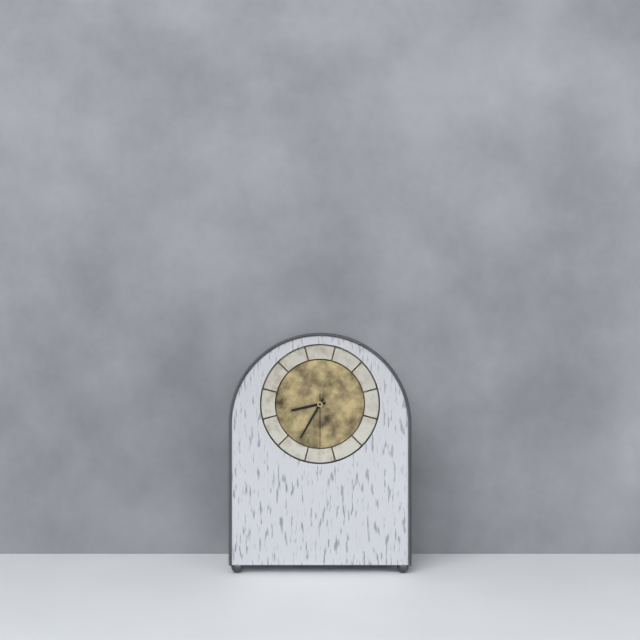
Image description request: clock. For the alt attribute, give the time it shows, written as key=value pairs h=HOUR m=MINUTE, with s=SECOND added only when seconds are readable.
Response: h=8 m=35 s=30
